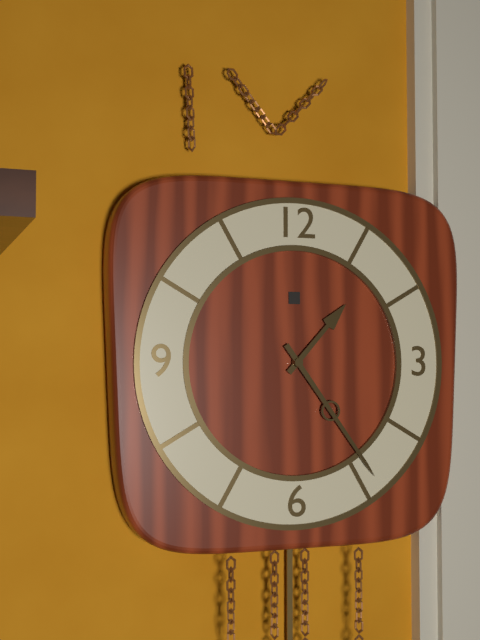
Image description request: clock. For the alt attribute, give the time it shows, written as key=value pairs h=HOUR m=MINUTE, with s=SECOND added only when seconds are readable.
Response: h=1 m=24
